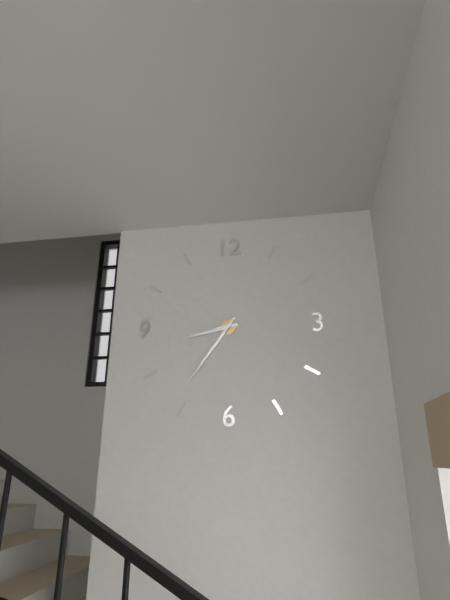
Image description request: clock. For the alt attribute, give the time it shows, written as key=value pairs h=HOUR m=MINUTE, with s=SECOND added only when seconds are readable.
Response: h=8 m=36
